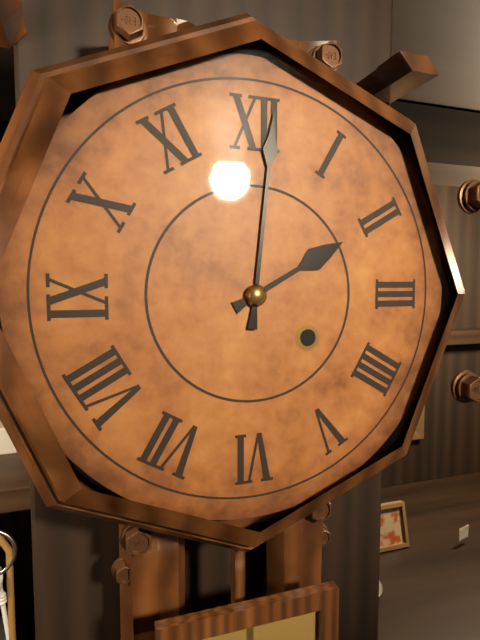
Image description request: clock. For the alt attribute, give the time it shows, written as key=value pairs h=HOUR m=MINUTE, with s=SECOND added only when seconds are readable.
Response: h=2 m=1
